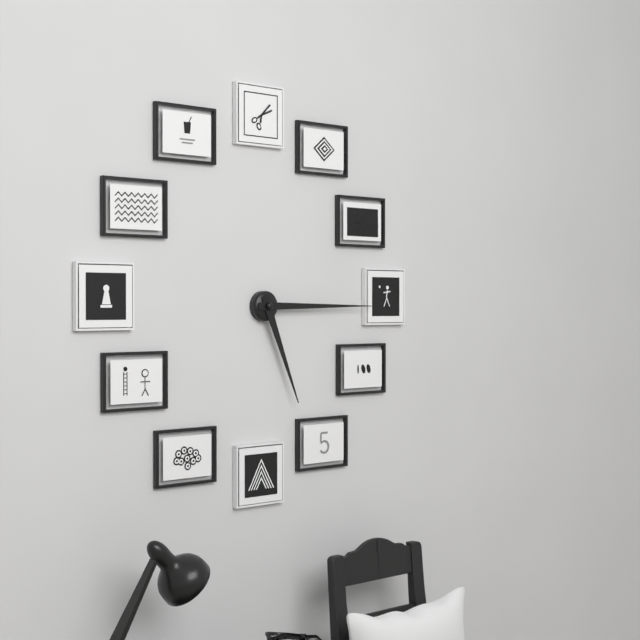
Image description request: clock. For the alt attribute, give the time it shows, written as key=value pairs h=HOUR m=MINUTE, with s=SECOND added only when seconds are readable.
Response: h=5 m=15
